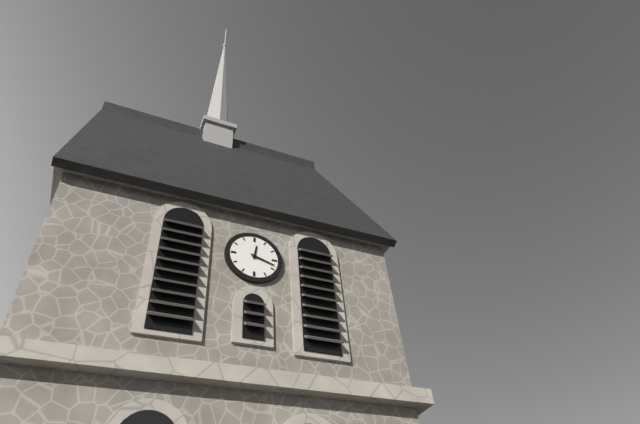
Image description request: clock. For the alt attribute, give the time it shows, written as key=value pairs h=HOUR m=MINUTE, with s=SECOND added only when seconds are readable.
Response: h=12 m=18
